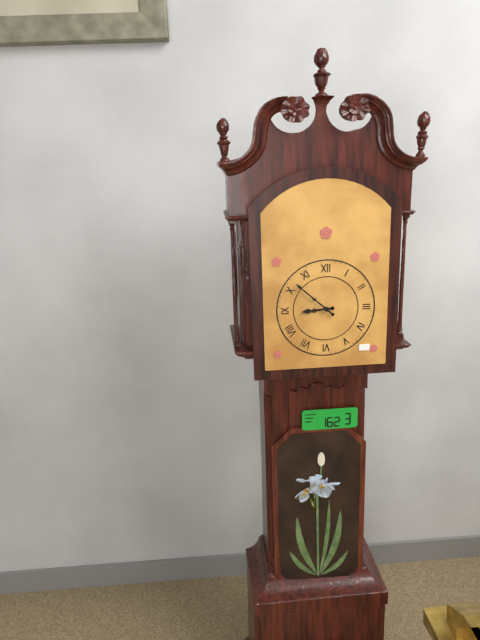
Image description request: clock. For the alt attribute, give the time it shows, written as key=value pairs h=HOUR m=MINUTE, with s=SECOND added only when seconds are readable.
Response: h=8 m=52
